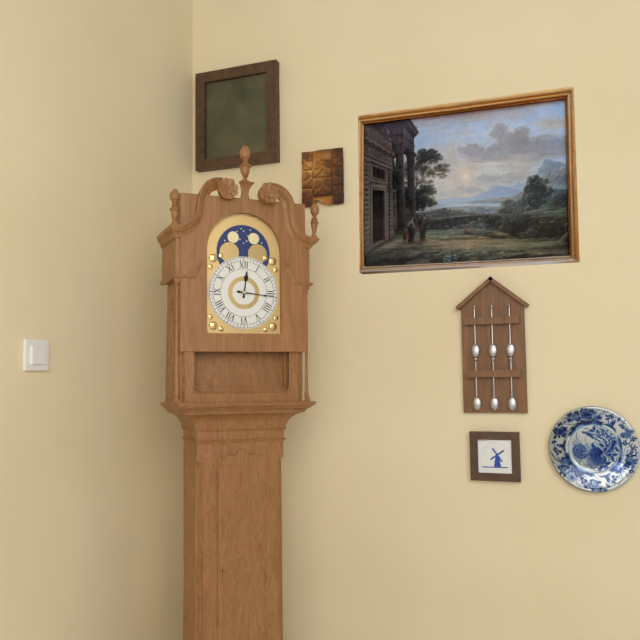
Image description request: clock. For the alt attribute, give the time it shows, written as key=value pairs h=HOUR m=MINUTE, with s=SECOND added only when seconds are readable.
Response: h=12 m=16
